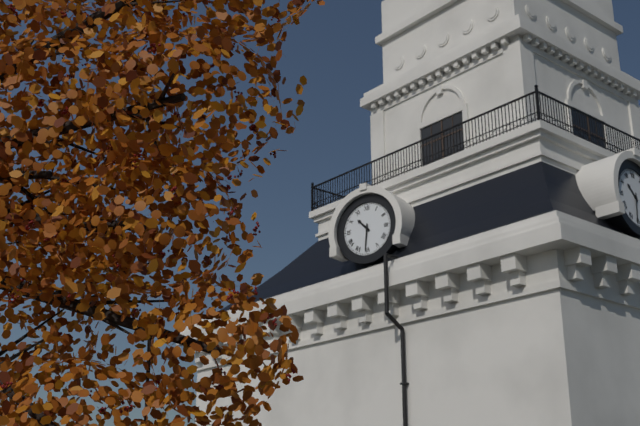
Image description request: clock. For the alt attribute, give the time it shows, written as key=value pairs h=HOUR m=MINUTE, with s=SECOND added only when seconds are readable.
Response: h=10 m=31
